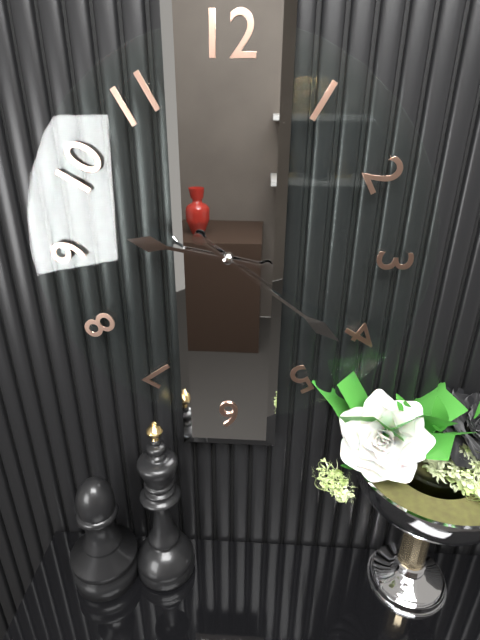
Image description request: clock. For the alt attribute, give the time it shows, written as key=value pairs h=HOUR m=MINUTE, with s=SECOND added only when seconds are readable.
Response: h=9 m=21
